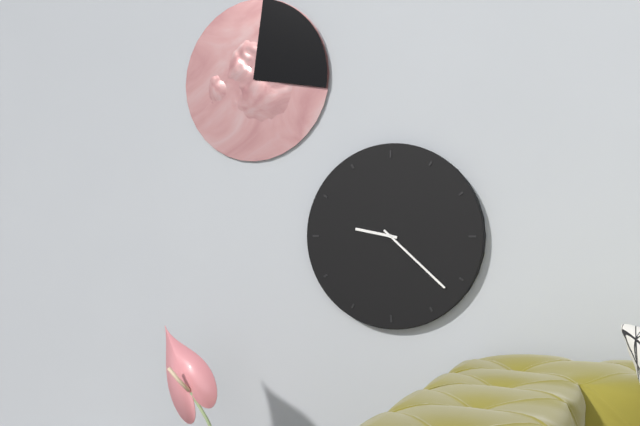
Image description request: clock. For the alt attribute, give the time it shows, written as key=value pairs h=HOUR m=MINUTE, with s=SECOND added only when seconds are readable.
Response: h=9 m=22
